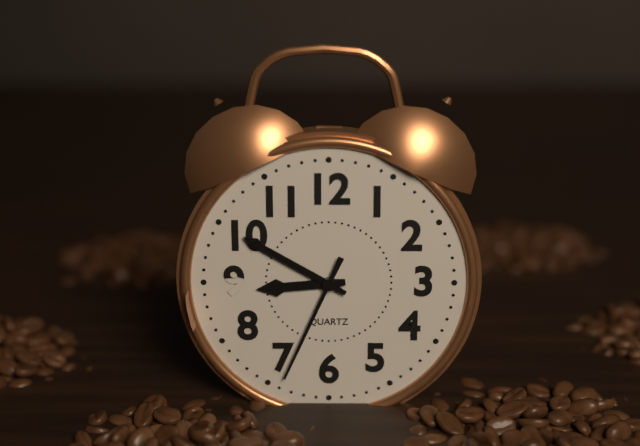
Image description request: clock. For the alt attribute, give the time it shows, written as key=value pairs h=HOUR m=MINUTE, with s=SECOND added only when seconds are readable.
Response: h=8 m=50 s=34
